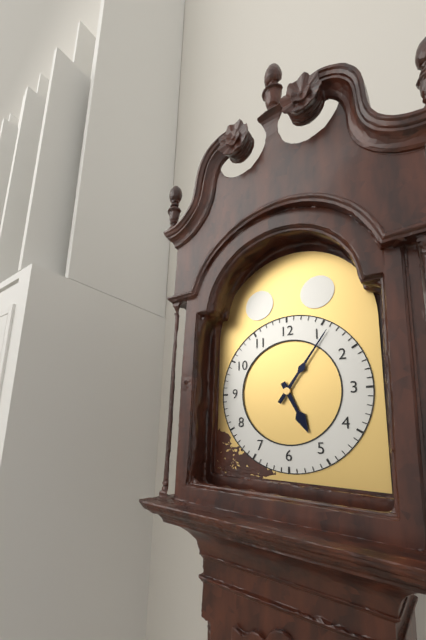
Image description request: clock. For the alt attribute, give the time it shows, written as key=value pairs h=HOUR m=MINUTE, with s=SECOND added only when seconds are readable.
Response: h=5 m=6
